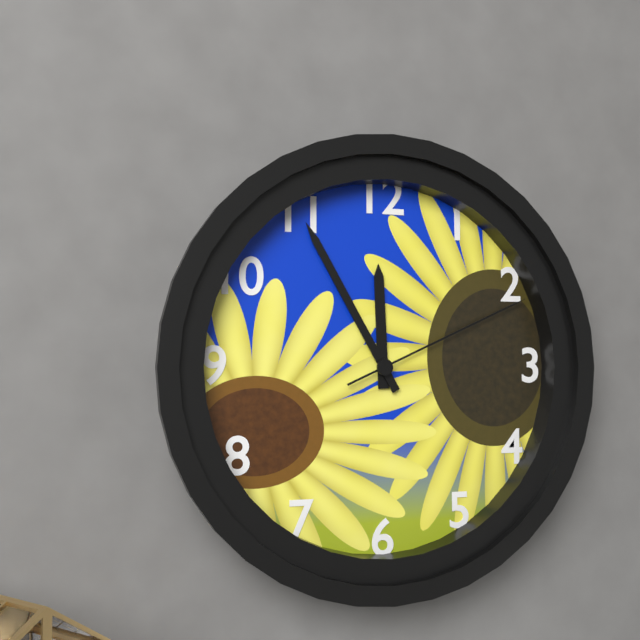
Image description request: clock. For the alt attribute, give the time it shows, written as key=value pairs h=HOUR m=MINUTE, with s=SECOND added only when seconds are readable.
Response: h=11 m=55 s=11
